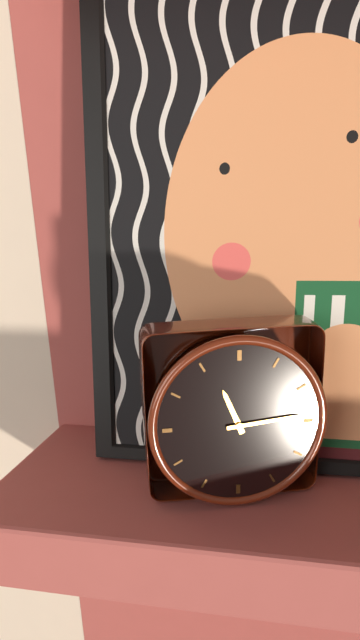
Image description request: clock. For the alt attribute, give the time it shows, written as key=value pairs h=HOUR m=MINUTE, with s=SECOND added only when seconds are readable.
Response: h=11 m=14
